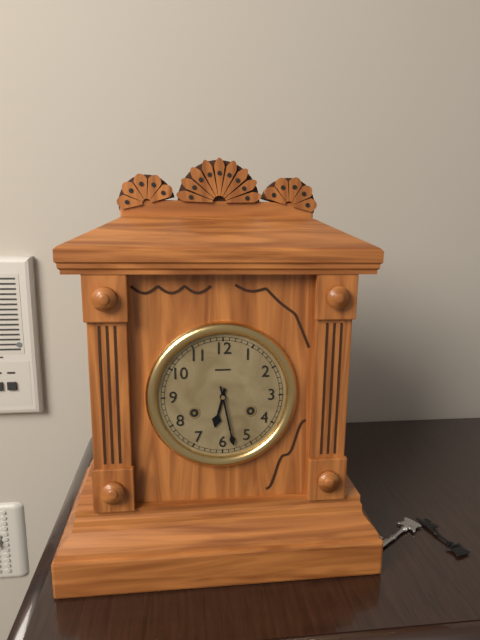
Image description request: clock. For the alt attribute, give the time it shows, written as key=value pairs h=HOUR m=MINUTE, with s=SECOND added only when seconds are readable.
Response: h=6 m=28
